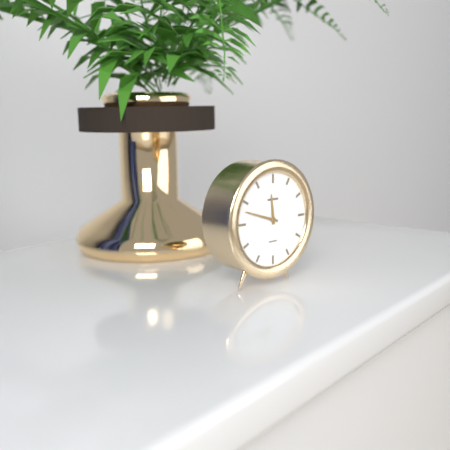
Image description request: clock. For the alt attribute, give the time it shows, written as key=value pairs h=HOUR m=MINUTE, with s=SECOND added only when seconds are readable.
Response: h=11 m=48
